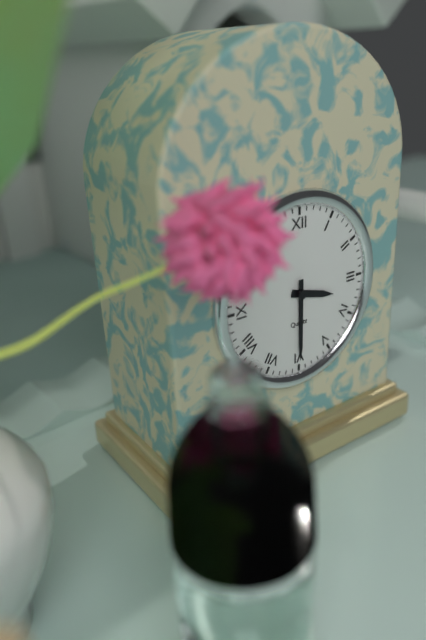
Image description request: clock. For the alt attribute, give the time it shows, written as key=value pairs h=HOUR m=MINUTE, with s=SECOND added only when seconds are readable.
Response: h=3 m=30
